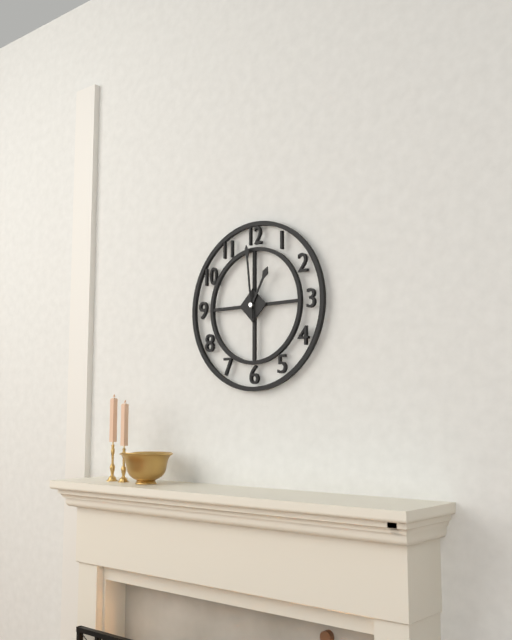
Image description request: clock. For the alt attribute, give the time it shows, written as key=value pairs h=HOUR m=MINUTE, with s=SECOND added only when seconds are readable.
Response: h=12 m=59
